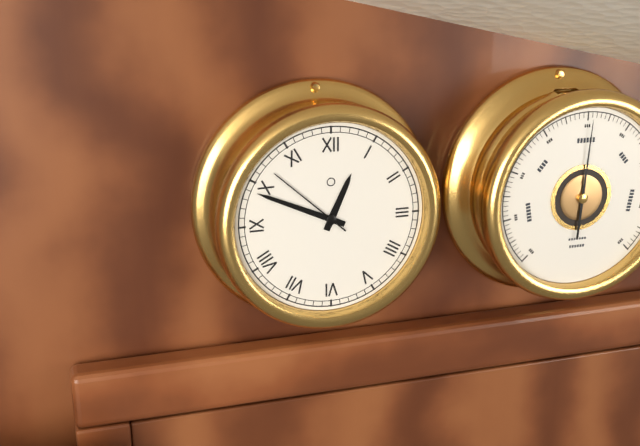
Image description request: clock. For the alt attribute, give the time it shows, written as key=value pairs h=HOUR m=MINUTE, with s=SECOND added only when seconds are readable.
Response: h=12 m=49 s=52
